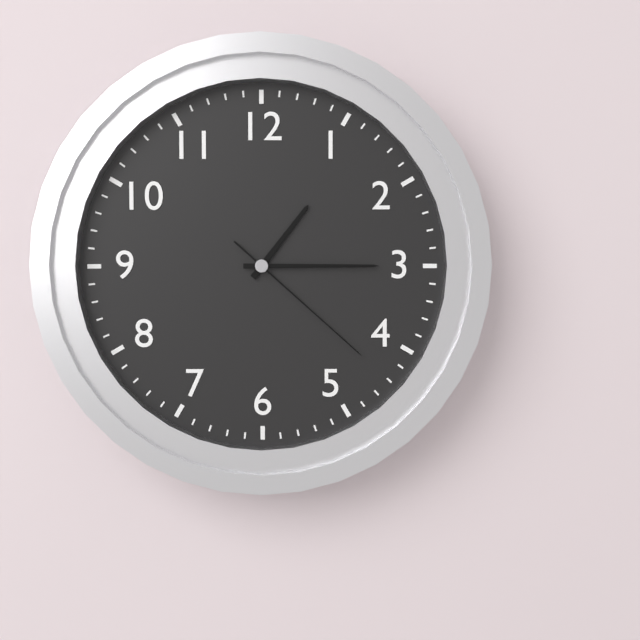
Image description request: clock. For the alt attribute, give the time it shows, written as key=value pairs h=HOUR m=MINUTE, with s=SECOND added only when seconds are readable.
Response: h=1 m=15 s=22
